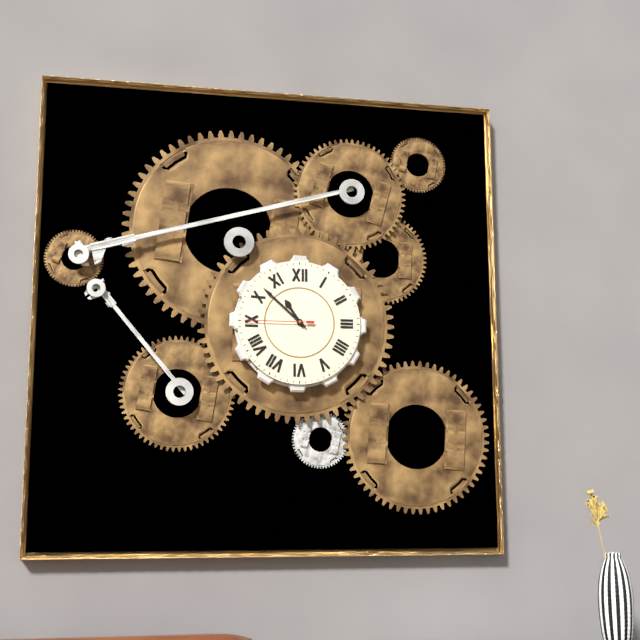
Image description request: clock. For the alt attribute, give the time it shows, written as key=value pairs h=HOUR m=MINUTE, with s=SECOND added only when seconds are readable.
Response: h=10 m=52 s=45
